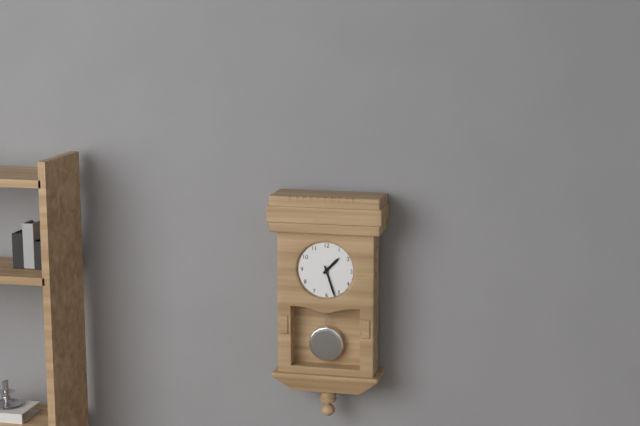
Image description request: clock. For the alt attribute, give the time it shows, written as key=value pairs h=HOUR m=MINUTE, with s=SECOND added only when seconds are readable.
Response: h=1 m=27
